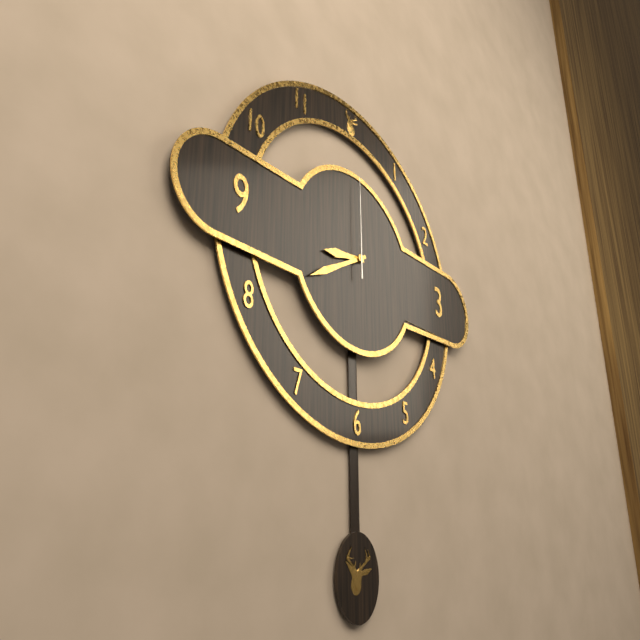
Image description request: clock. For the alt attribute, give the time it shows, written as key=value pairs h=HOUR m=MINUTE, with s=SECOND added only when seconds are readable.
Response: h=8 m=40 s=0
